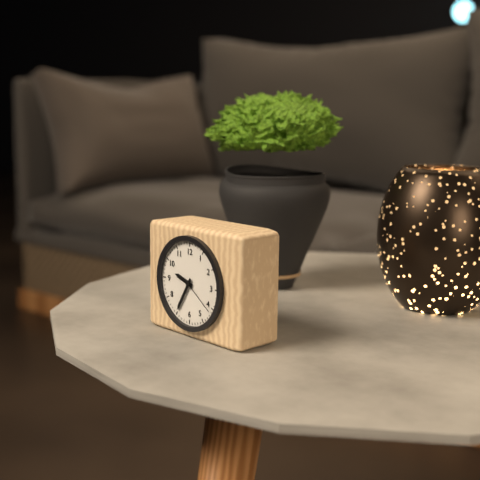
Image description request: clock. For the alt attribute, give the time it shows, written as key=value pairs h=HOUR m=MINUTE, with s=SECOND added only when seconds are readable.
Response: h=9 m=35
